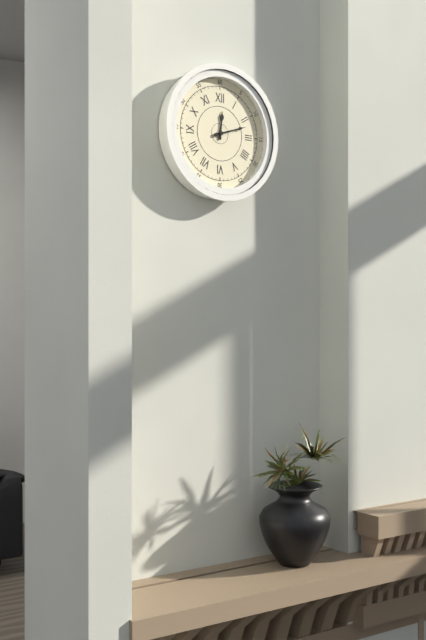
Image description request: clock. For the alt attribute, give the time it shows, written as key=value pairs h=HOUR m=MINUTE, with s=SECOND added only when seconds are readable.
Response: h=12 m=12
